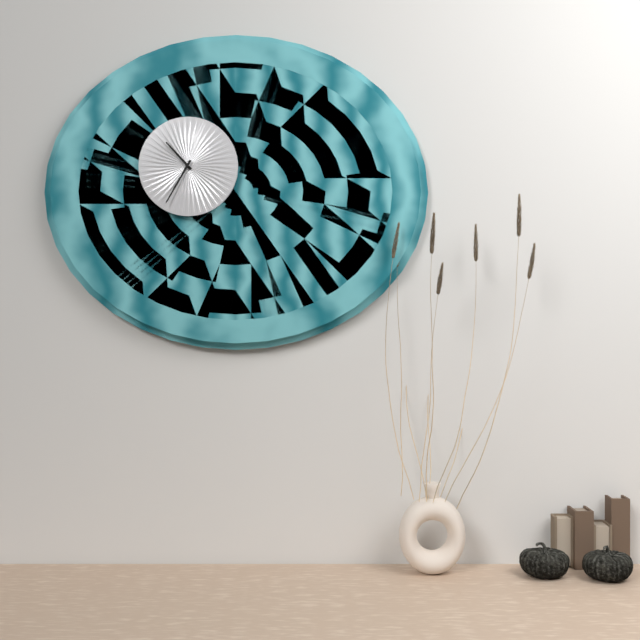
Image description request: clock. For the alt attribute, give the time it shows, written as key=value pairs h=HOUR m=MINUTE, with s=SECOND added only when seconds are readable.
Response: h=10 m=35
